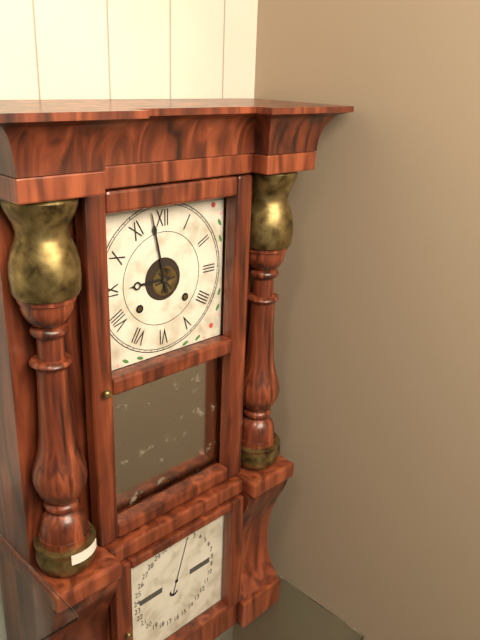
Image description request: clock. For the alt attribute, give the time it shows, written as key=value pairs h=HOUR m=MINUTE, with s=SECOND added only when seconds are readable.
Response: h=8 m=58
